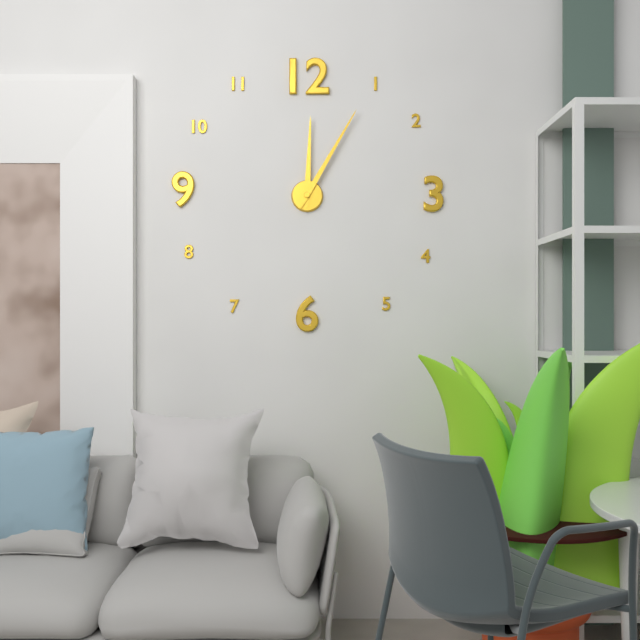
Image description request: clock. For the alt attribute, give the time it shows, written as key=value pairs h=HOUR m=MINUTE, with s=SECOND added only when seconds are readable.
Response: h=12 m=5
